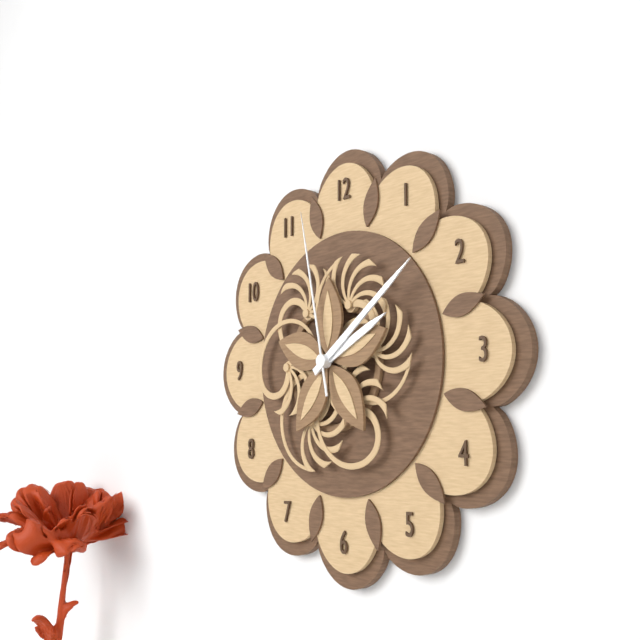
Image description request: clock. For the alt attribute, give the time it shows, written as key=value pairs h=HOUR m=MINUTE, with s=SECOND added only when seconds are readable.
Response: h=2 m=9 s=58
